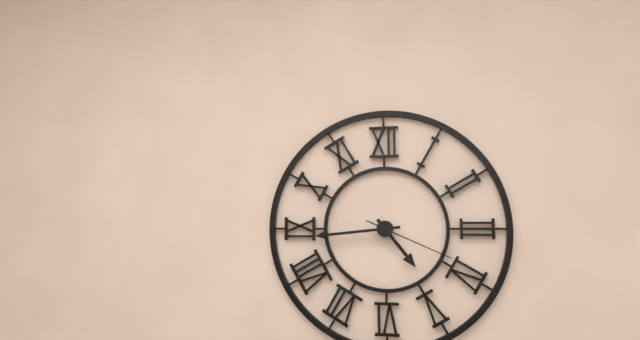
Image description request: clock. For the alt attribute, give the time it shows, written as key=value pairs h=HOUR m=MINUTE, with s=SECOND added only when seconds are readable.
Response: h=4 m=44 s=19
